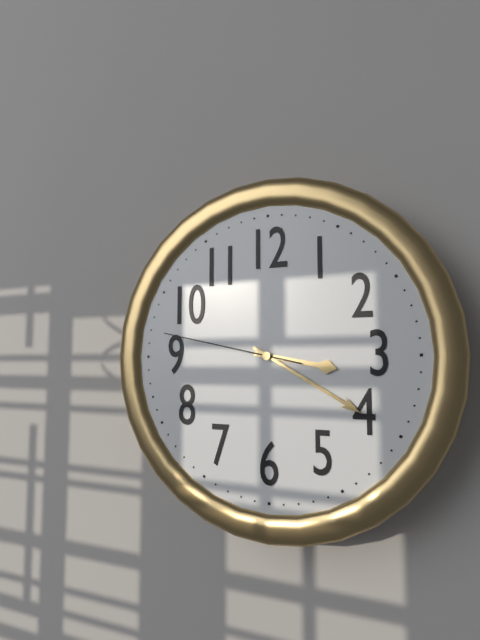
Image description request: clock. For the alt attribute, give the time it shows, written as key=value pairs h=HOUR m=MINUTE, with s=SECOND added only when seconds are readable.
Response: h=3 m=20 s=47
